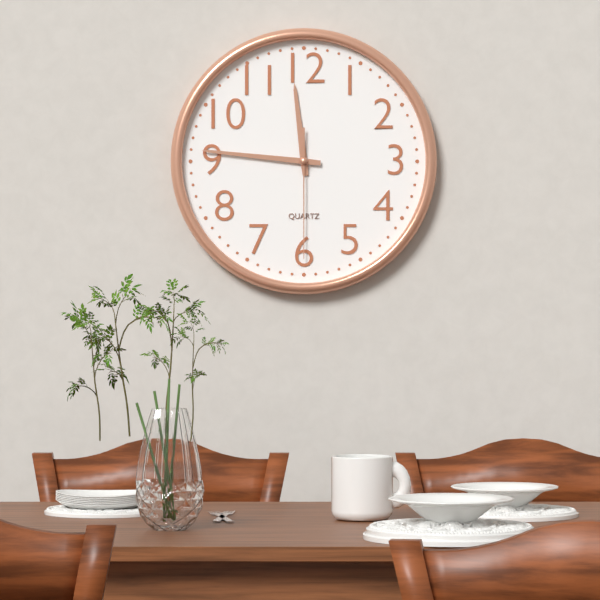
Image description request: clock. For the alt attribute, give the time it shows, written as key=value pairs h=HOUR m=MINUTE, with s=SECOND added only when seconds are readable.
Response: h=11 m=46 s=30
